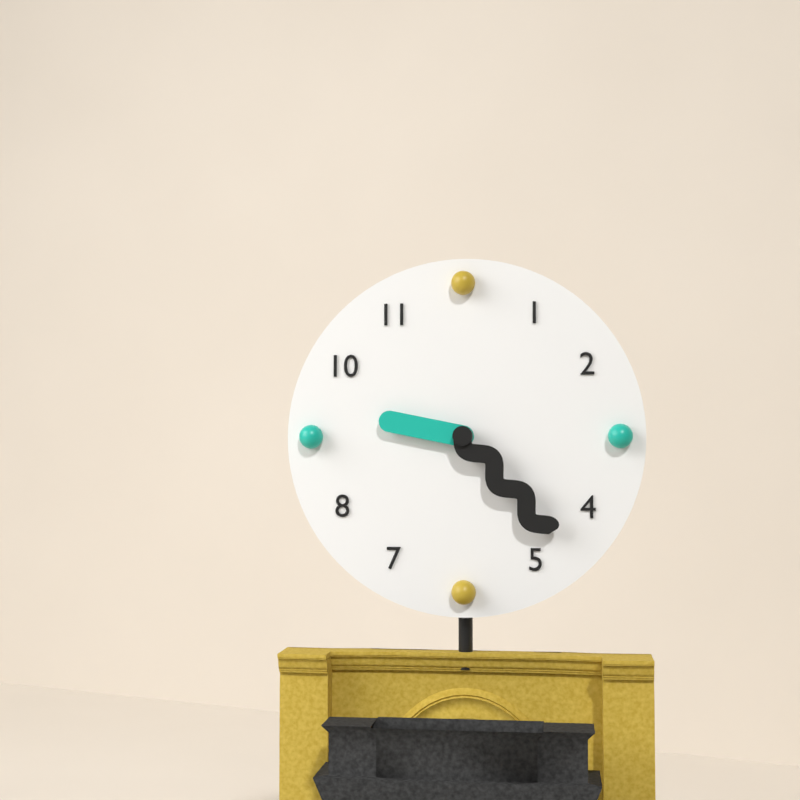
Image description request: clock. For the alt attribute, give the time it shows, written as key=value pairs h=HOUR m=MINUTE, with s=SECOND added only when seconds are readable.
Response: h=9 m=23
